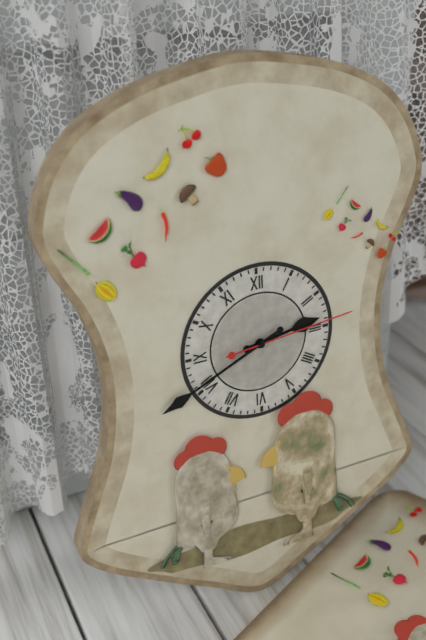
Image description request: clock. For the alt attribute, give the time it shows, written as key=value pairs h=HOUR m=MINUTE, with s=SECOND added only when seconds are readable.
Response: h=2 m=41 s=14
